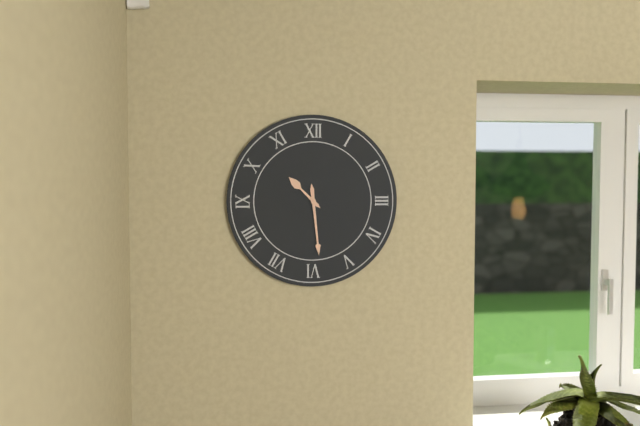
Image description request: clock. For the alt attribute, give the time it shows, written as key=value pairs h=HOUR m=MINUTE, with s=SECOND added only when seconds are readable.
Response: h=10 m=29
